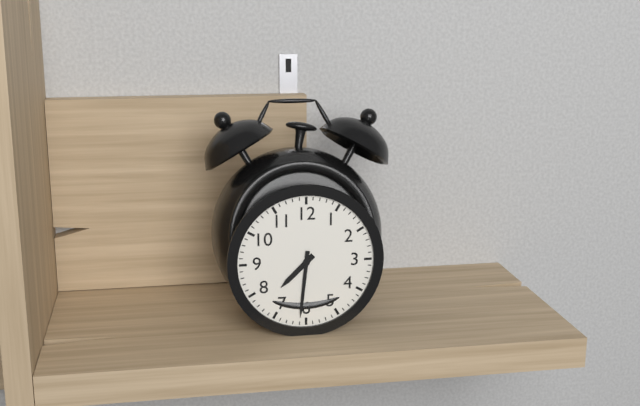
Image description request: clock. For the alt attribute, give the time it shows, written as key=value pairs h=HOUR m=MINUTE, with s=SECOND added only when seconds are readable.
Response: h=7 m=31
